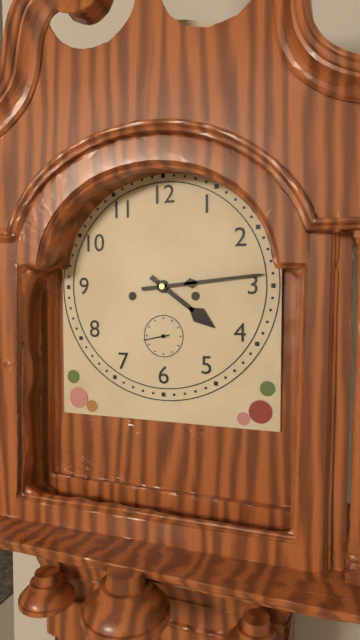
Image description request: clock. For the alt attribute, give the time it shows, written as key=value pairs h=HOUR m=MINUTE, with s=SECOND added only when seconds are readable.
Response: h=4 m=14
